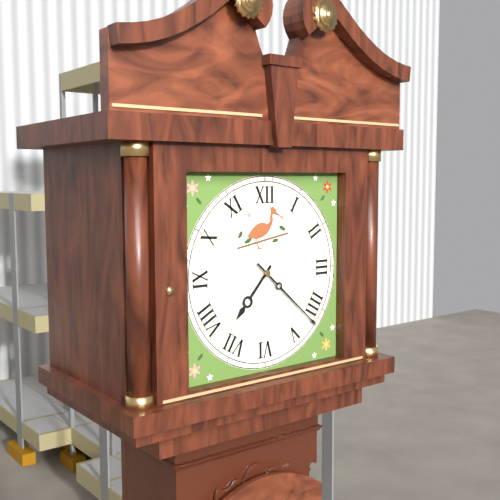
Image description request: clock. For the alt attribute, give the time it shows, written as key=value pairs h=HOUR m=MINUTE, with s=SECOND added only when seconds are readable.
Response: h=7 m=22
